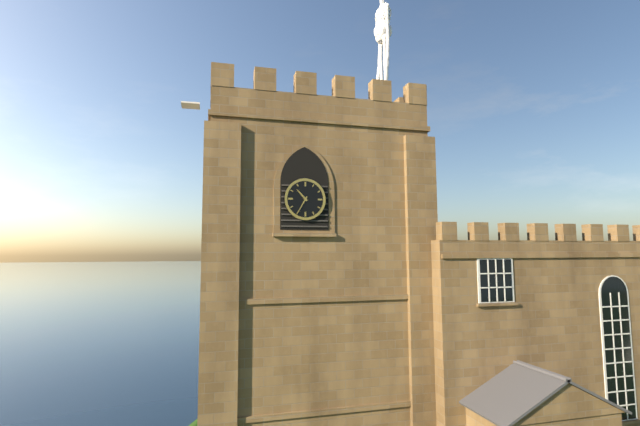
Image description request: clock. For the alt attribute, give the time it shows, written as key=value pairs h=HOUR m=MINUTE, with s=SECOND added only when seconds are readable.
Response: h=10 m=35
